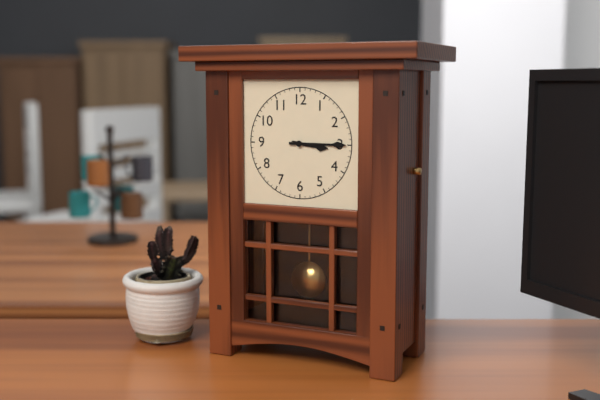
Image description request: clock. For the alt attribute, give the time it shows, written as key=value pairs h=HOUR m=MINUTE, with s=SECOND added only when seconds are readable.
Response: h=3 m=15
